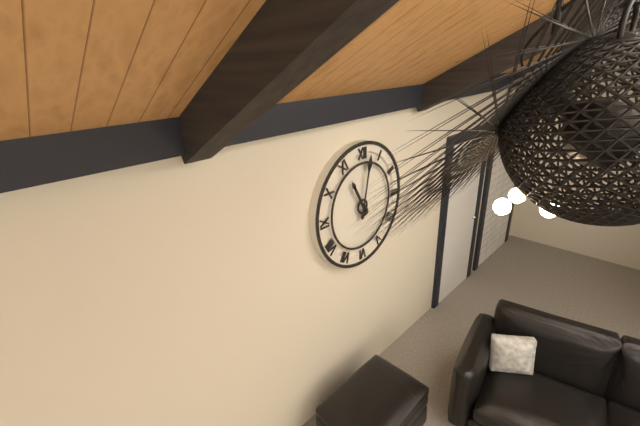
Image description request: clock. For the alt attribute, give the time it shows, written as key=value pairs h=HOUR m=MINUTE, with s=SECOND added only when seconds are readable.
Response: h=11 m=2
